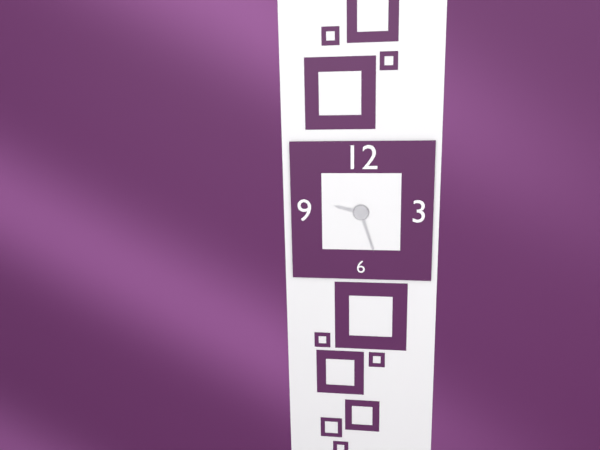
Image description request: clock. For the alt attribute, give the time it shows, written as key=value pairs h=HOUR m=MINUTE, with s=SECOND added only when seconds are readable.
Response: h=9 m=27
